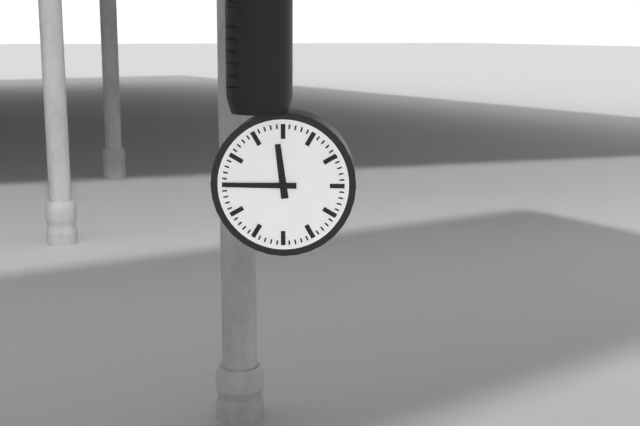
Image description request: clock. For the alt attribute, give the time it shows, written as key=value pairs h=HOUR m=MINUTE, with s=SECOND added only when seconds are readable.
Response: h=11 m=45
